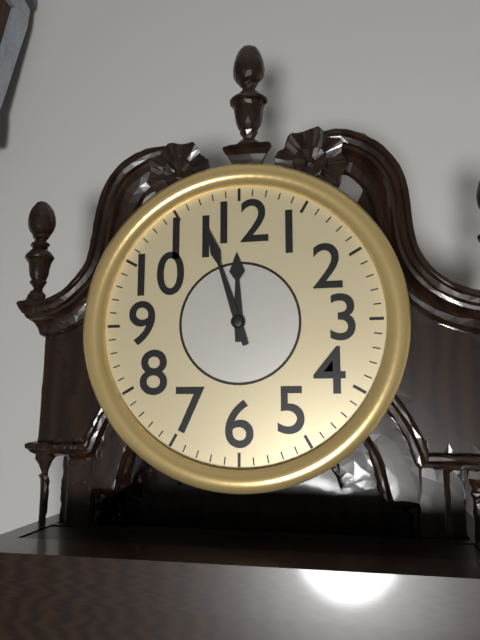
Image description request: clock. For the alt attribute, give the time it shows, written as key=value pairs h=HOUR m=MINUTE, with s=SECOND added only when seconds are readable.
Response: h=11 m=57
